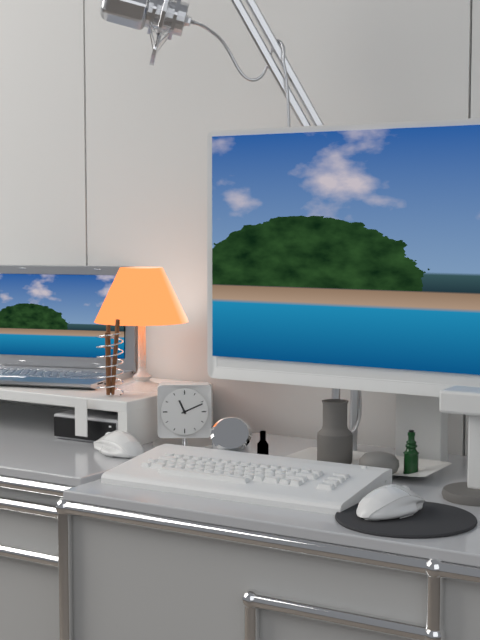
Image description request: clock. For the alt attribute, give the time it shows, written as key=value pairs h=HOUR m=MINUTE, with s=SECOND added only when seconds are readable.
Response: h=11 m=11
